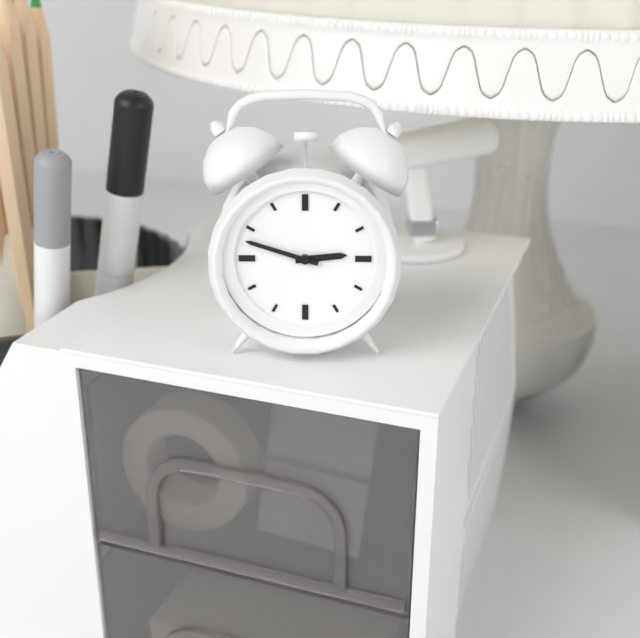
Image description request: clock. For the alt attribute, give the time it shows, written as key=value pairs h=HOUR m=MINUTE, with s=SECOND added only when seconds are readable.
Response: h=2 m=48
